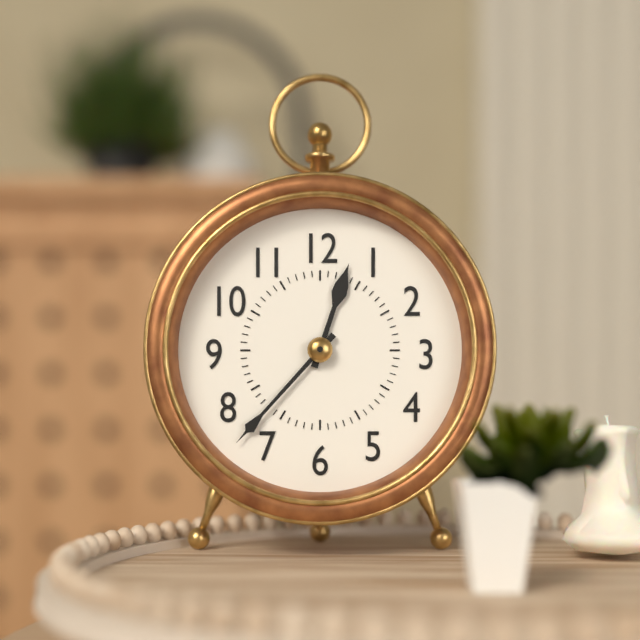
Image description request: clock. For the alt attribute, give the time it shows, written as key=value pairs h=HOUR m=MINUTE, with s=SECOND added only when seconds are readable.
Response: h=12 m=37
